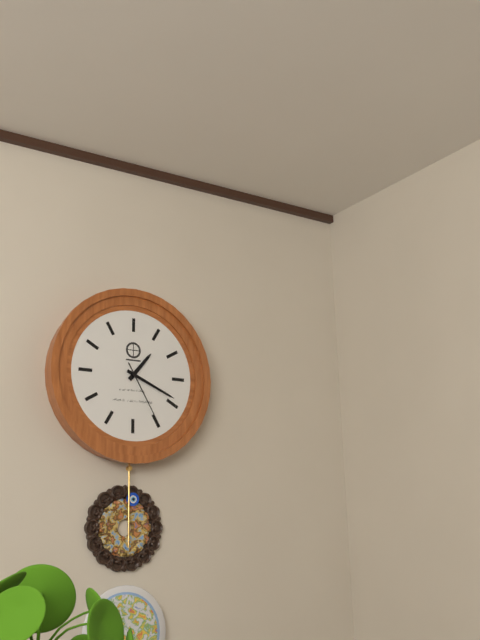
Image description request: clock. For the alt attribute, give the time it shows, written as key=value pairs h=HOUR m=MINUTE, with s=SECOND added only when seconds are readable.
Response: h=1 m=19 s=25
